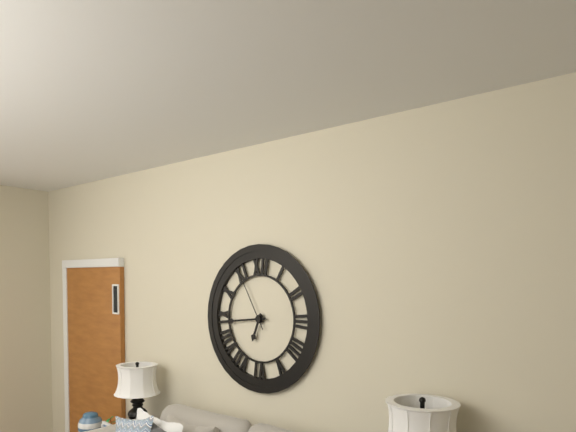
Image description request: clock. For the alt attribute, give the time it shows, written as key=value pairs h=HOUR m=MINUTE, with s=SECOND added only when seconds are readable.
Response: h=6 m=44
